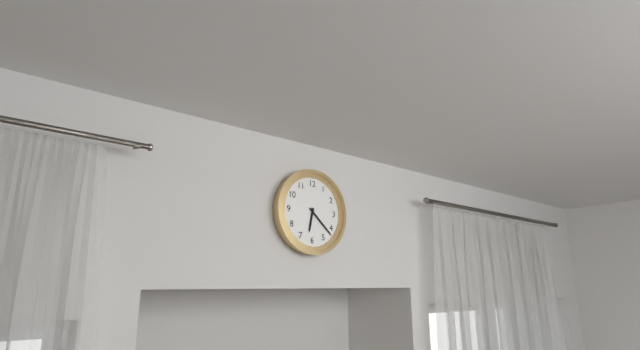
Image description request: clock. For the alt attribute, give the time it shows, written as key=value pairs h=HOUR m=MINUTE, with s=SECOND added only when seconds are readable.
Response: h=6 m=22
